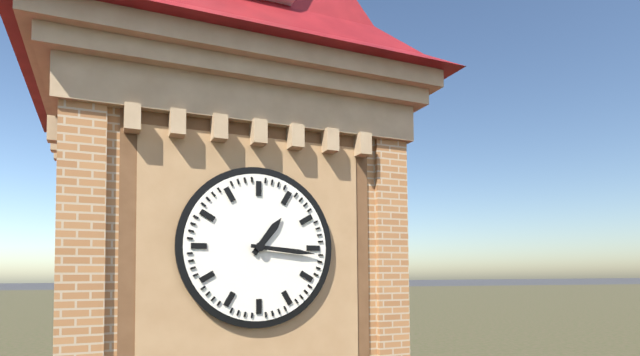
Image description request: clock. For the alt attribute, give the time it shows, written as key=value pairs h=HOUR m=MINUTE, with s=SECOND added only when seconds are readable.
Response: h=1 m=16
